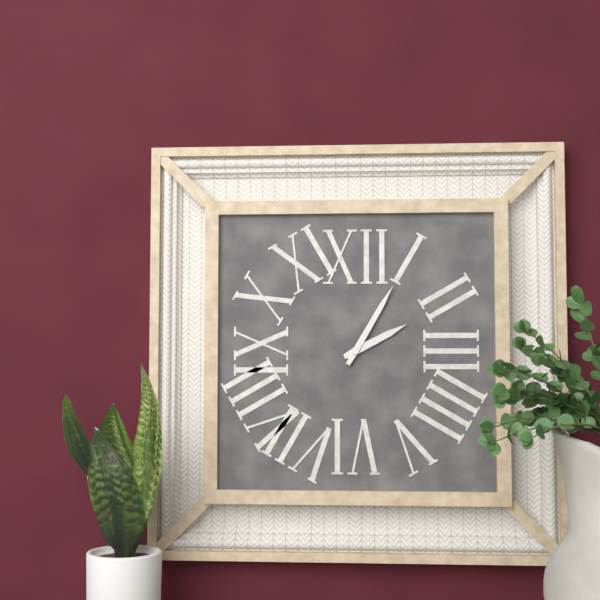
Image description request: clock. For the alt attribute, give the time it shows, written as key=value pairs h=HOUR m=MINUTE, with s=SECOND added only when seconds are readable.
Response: h=2 m=5
